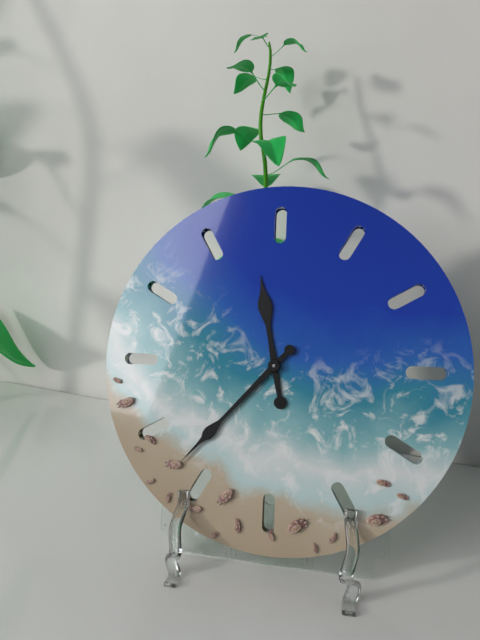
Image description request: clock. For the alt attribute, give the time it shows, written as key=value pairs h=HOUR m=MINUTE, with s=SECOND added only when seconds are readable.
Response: h=11 m=37
